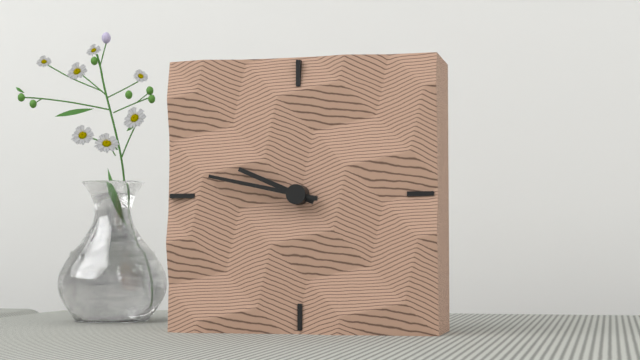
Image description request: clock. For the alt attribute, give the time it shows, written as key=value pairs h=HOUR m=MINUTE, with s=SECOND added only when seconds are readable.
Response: h=9 m=47
